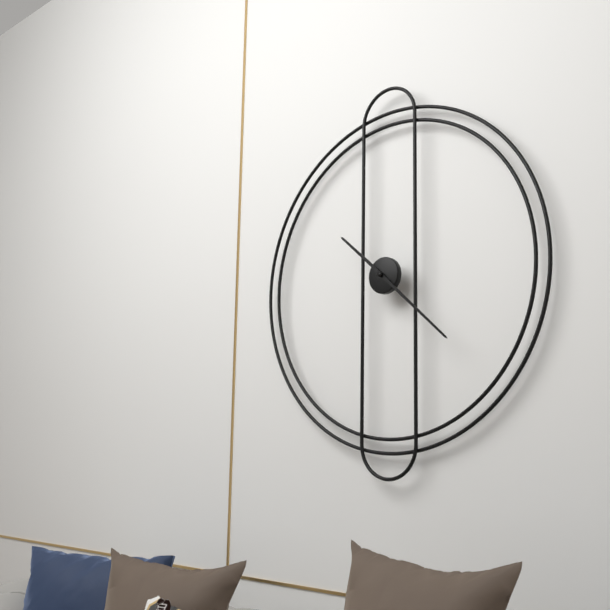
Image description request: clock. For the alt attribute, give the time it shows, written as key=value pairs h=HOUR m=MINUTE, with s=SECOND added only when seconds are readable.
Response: h=10 m=22
